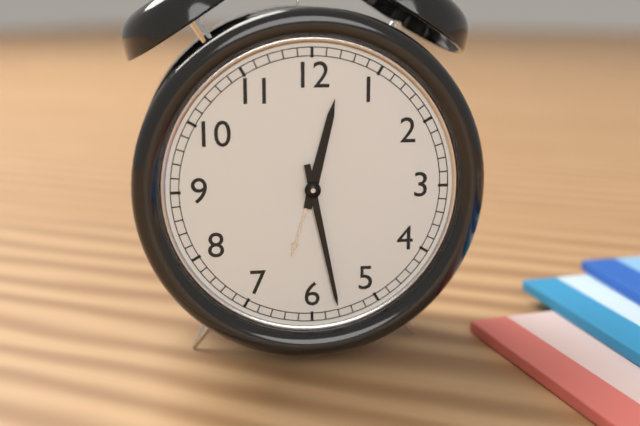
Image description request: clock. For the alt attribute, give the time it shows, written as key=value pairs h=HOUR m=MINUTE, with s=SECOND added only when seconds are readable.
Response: h=12 m=28
